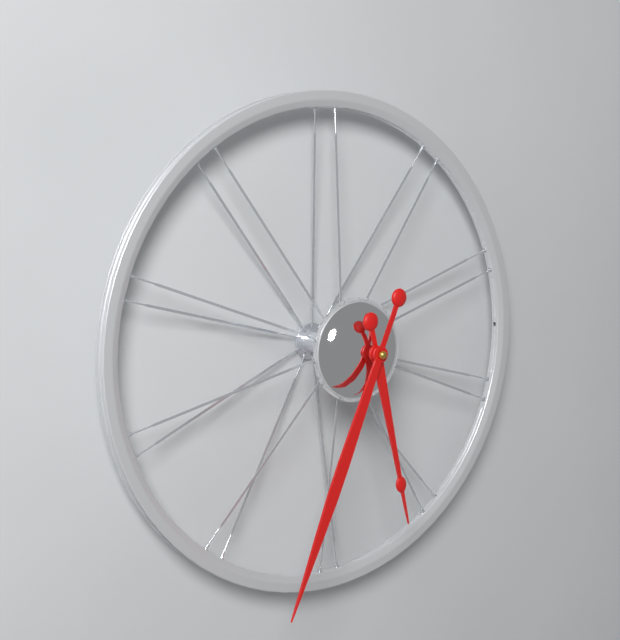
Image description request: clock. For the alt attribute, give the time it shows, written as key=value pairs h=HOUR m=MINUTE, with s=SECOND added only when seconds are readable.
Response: h=5 m=34
